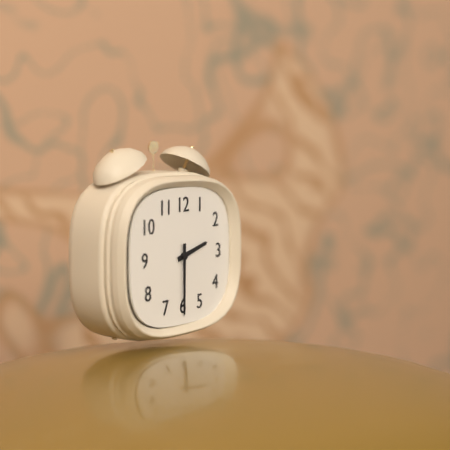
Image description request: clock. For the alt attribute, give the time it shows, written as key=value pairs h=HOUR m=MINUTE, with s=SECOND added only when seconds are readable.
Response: h=2 m=30
